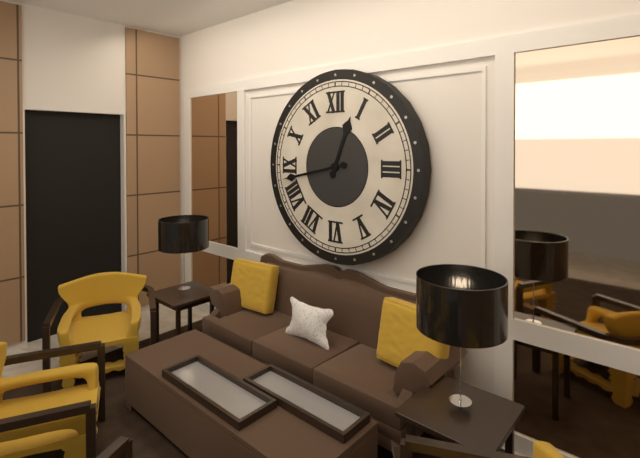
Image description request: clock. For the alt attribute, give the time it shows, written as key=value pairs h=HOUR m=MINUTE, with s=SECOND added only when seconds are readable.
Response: h=12 m=43
